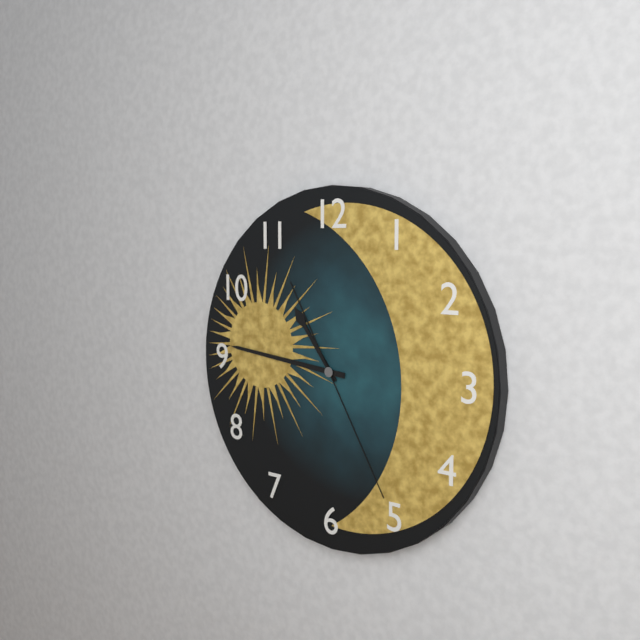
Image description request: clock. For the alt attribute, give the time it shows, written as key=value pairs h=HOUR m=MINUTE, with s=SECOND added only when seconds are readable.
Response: h=10 m=46 s=25
